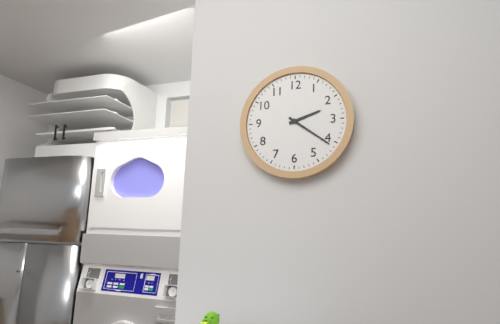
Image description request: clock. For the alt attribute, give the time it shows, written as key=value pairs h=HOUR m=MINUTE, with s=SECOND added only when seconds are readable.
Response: h=2 m=21
